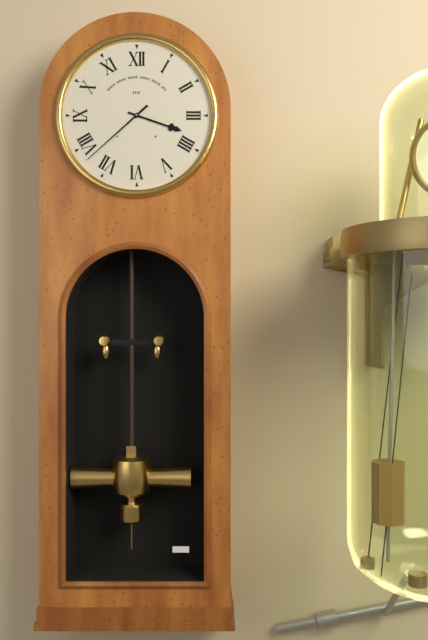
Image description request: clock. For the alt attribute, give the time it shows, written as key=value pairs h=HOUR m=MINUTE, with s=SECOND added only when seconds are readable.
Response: h=3 m=38
